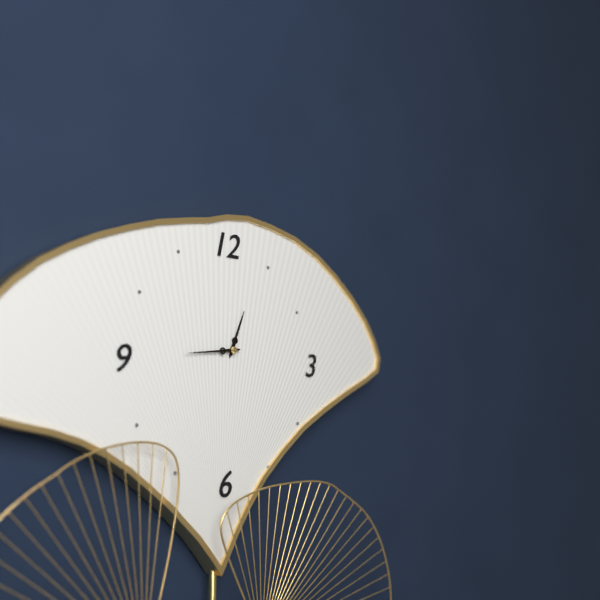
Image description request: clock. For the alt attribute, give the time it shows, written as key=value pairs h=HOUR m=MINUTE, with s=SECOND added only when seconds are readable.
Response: h=12 m=44
